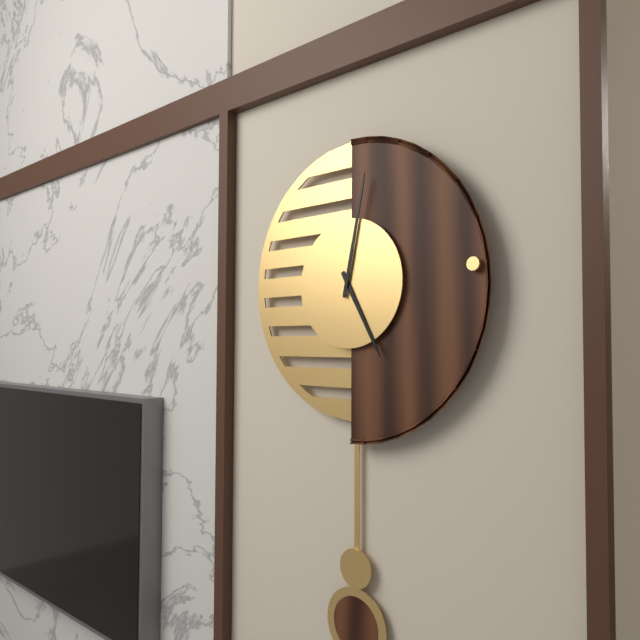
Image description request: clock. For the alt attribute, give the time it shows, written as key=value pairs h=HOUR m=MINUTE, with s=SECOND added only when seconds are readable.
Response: h=5 m=2
